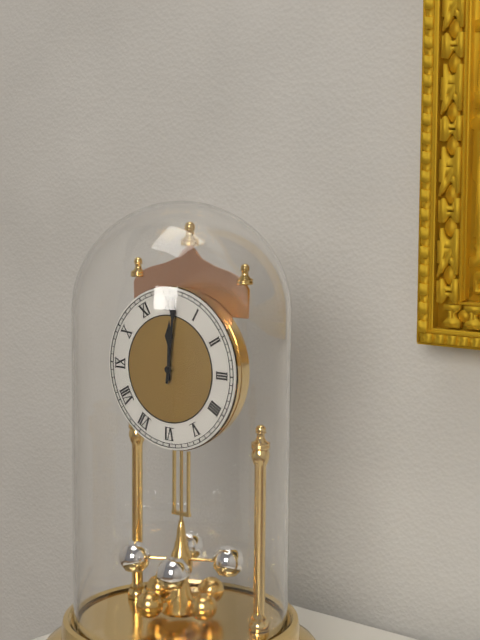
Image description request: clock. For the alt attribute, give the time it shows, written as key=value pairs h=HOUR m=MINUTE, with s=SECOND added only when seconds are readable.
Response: h=12 m=1
